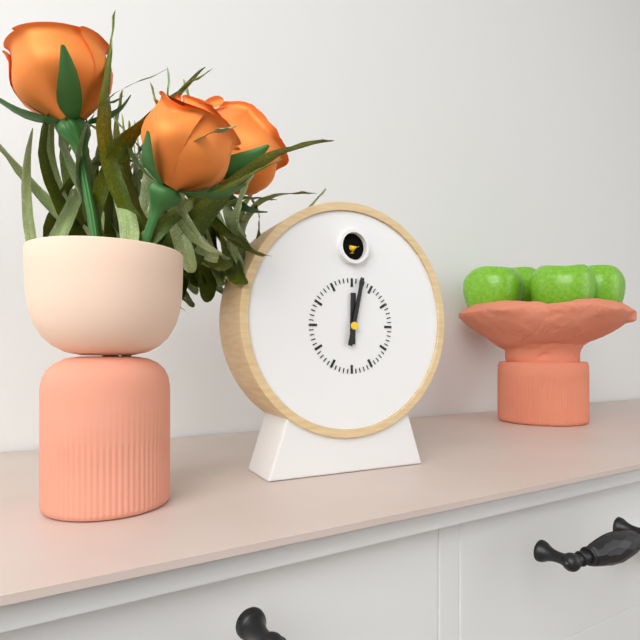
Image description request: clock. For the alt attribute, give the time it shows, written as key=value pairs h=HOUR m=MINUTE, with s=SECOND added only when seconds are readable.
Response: h=12 m=2
